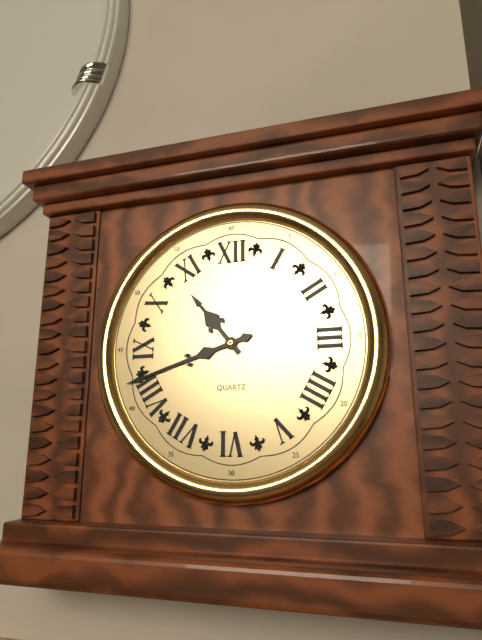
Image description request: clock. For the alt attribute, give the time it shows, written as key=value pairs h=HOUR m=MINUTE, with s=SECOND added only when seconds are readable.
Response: h=10 m=42
